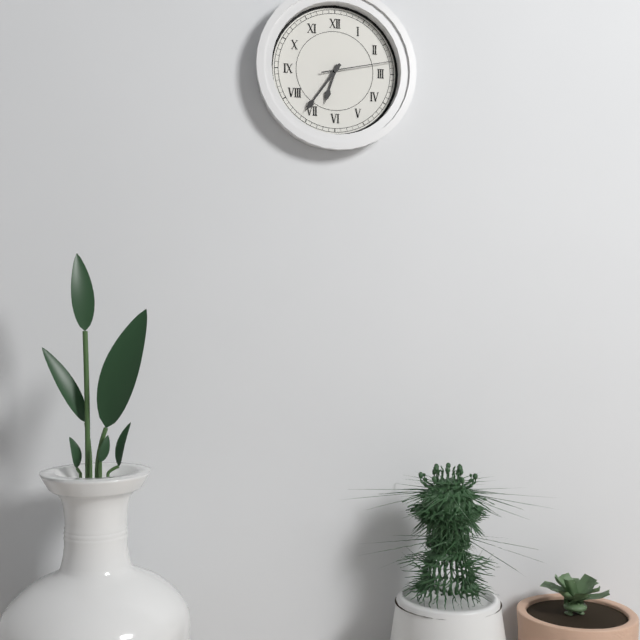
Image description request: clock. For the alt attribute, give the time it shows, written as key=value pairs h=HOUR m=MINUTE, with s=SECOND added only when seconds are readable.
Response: h=6 m=36 s=13
